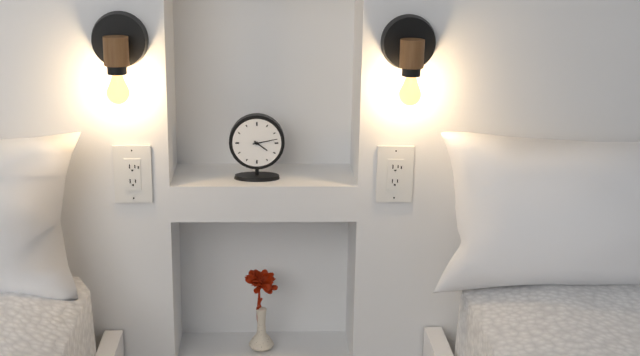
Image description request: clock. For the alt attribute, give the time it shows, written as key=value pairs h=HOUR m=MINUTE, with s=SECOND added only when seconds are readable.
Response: h=4 m=13
